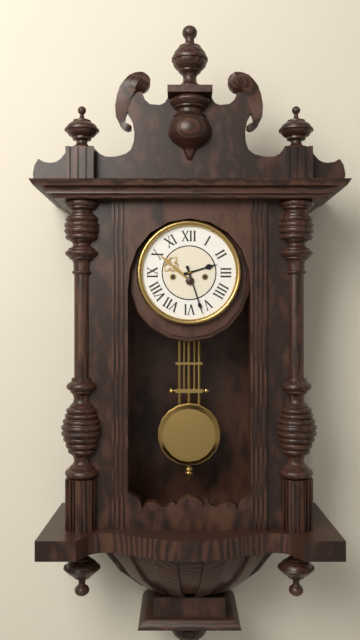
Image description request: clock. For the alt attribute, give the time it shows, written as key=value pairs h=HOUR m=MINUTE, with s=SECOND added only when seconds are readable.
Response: h=2 m=27
